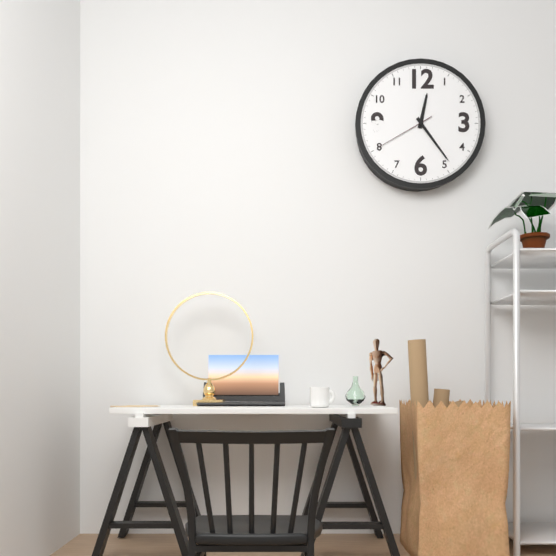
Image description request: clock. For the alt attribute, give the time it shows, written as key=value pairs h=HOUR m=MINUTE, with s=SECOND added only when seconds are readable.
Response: h=12 m=24 s=40
